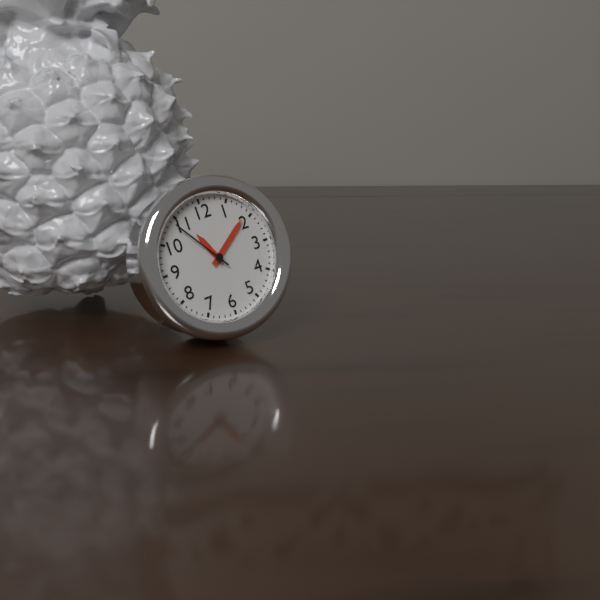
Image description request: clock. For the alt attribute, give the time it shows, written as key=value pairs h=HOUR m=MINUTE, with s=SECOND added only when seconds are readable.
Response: h=11 m=9 s=54
